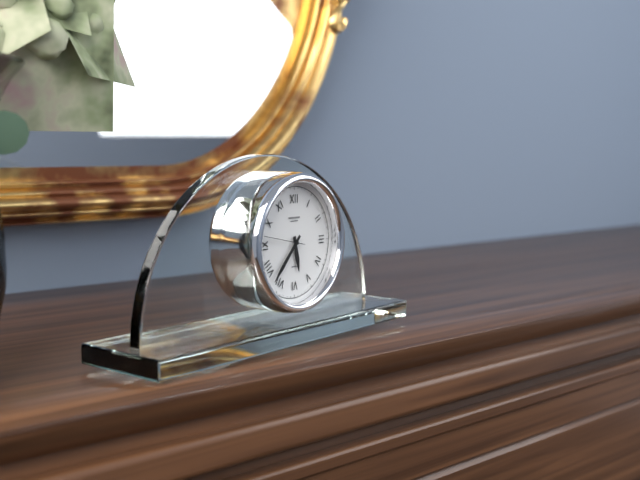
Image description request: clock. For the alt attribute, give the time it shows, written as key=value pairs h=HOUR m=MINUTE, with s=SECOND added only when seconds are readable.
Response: h=5 m=37
